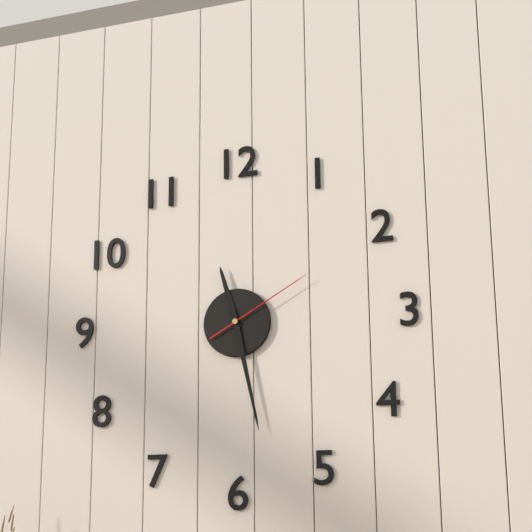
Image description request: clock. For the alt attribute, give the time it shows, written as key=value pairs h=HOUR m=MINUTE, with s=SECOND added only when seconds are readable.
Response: h=11 m=28 s=10
